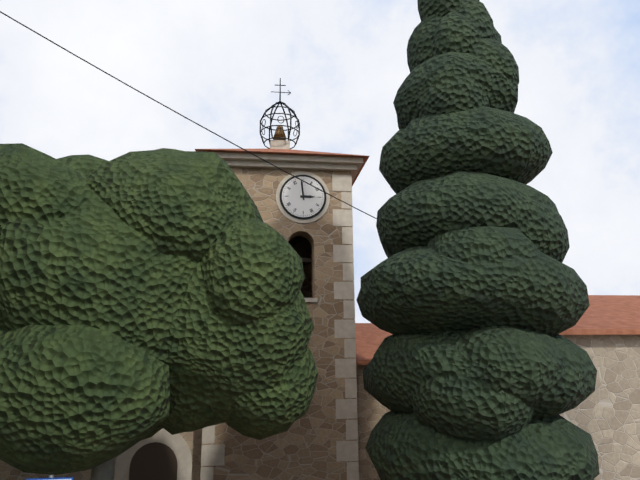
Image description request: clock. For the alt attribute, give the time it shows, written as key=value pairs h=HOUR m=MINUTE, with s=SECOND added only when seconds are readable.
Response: h=2 m=59
